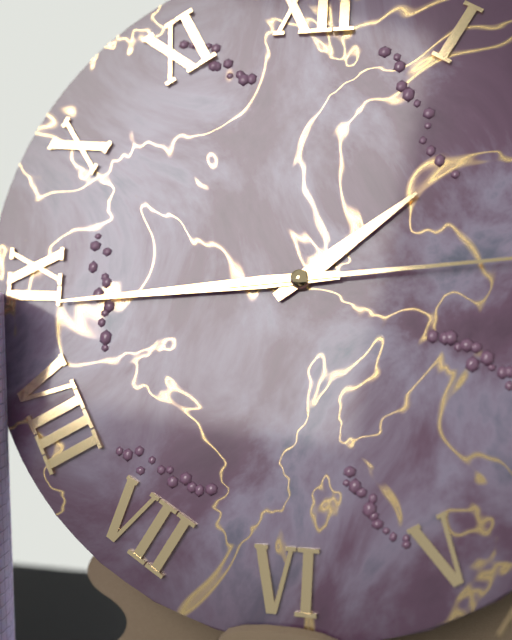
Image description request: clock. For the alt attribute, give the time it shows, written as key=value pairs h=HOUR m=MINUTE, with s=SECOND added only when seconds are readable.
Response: h=1 m=44
